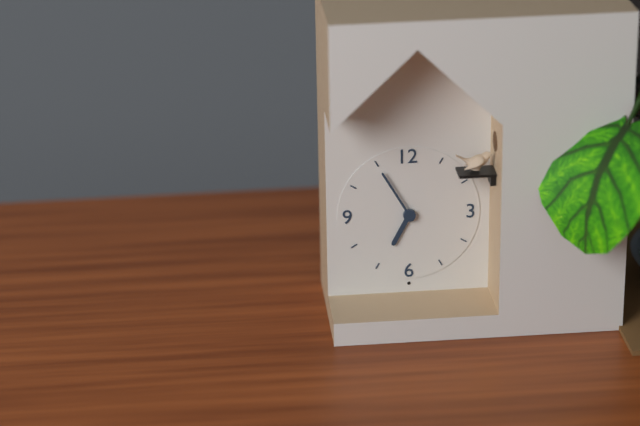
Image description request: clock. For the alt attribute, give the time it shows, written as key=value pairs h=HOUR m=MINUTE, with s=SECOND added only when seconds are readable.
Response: h=6 m=55
